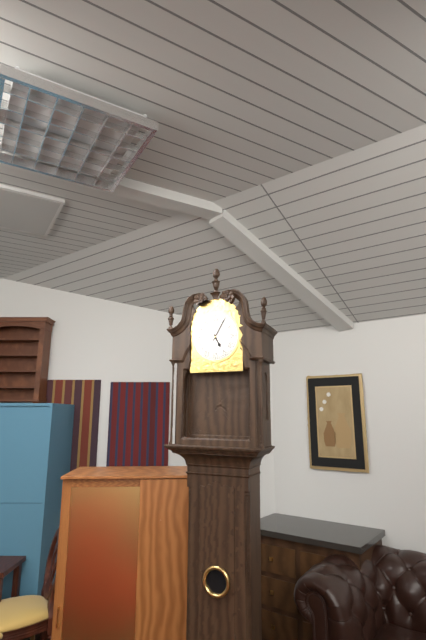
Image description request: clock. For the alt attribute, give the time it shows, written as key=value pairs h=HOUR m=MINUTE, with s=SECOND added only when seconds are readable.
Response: h=5 m=5
